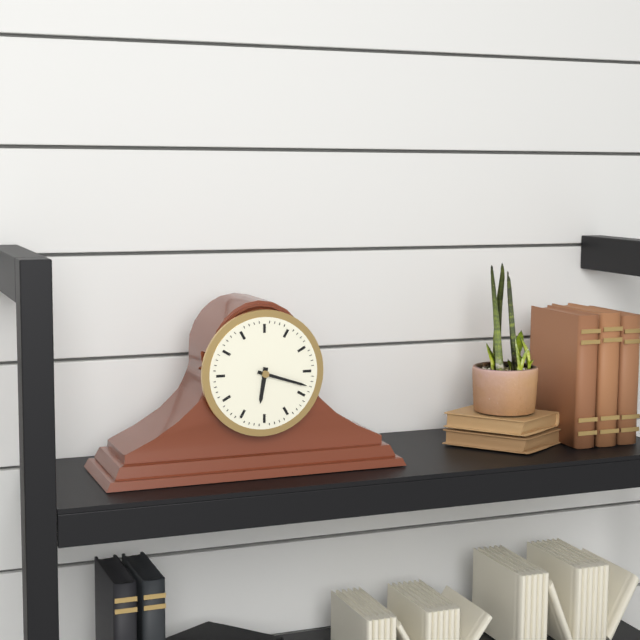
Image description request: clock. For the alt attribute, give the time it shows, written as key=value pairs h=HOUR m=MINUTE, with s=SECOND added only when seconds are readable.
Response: h=6 m=18
